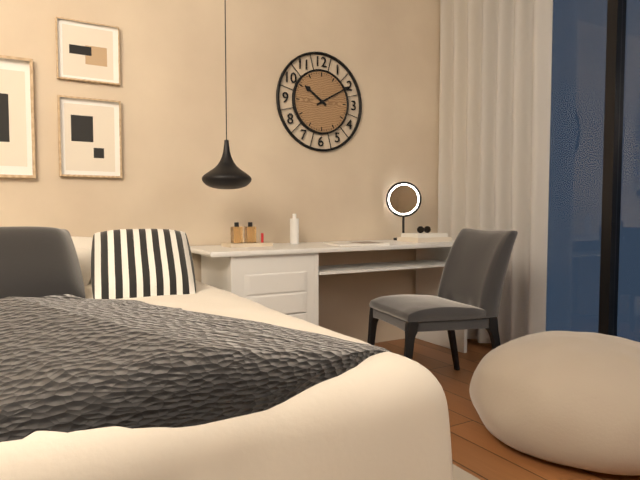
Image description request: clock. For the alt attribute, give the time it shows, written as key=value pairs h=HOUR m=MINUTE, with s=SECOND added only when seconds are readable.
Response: h=10 m=10
